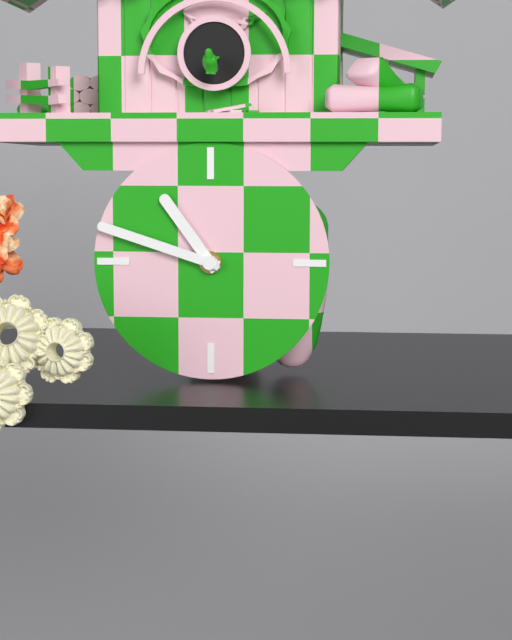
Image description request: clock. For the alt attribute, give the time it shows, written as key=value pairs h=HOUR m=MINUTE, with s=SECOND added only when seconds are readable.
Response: h=10 m=48
